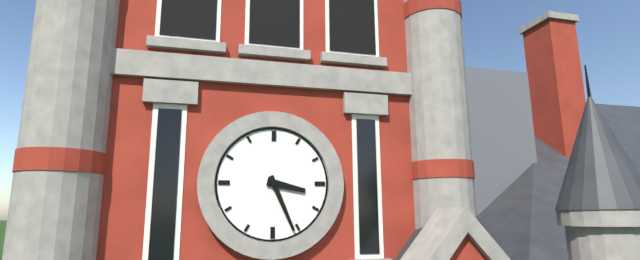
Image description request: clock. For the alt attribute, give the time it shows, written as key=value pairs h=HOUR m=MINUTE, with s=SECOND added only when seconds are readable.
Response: h=3 m=26
